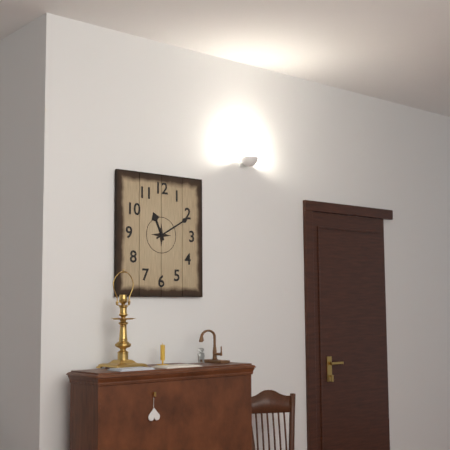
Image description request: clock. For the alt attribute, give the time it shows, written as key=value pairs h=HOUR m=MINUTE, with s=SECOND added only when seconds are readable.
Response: h=11 m=10
